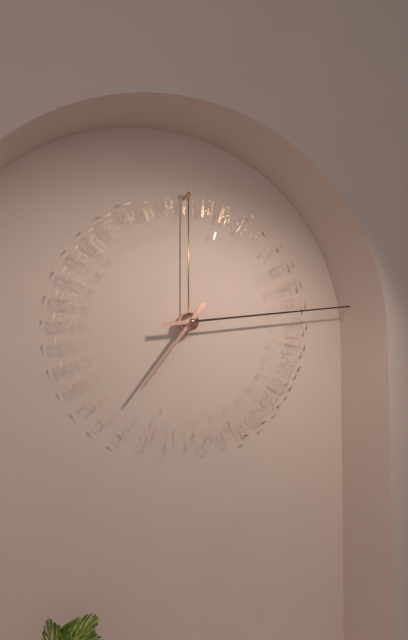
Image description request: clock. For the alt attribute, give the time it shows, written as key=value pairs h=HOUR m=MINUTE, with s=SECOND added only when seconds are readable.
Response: h=7 m=14
